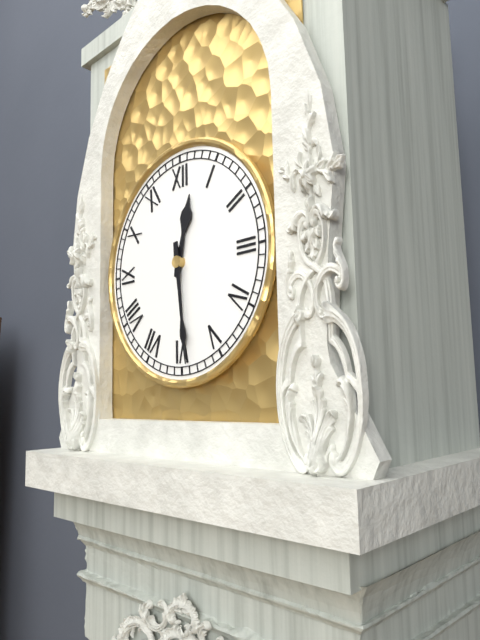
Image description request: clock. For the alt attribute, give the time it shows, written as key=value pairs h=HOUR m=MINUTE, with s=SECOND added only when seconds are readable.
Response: h=12 m=29
